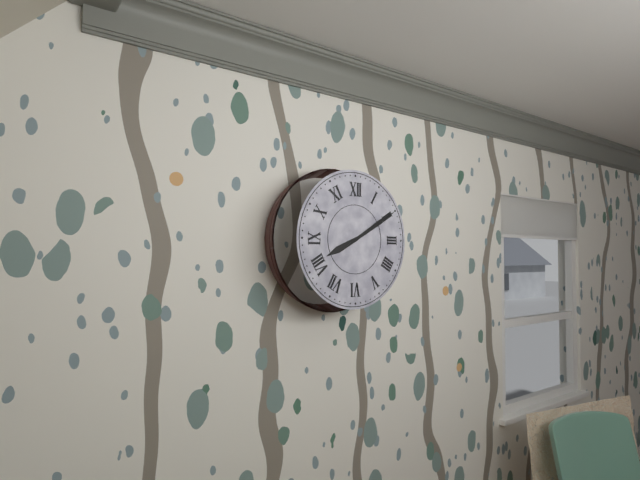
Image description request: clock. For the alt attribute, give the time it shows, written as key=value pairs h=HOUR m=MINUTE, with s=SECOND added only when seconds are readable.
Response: h=8 m=10
